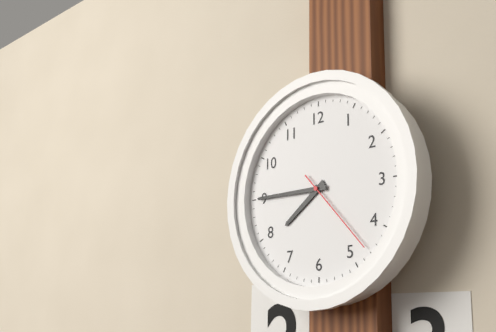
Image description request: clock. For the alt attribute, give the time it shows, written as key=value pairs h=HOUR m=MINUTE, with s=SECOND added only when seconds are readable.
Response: h=7 m=45 s=23
